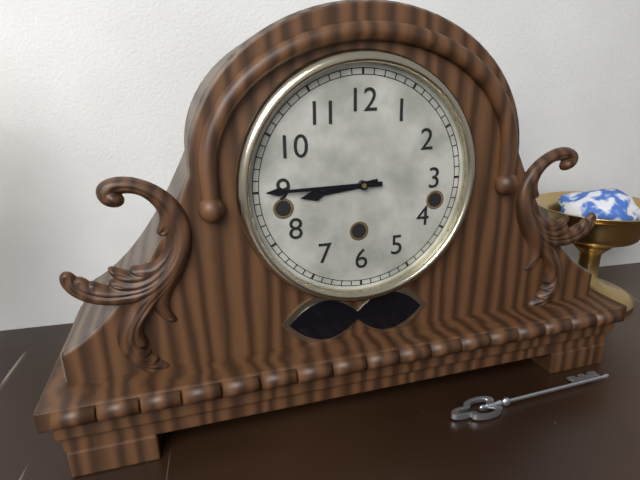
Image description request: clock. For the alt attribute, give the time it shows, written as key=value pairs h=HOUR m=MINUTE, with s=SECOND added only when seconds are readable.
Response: h=8 m=45
